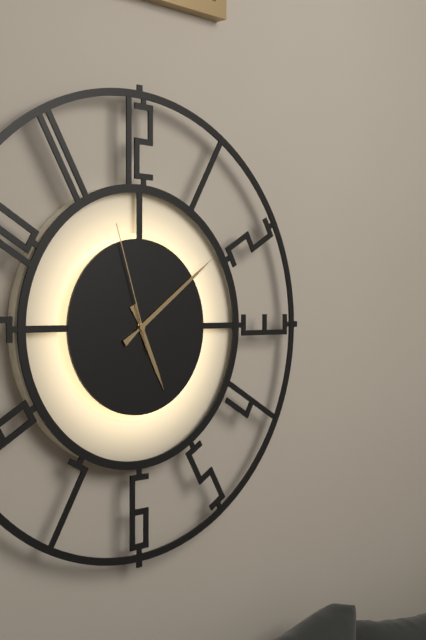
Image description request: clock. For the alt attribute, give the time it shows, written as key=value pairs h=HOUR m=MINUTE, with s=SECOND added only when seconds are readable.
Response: h=5 m=9 s=57
